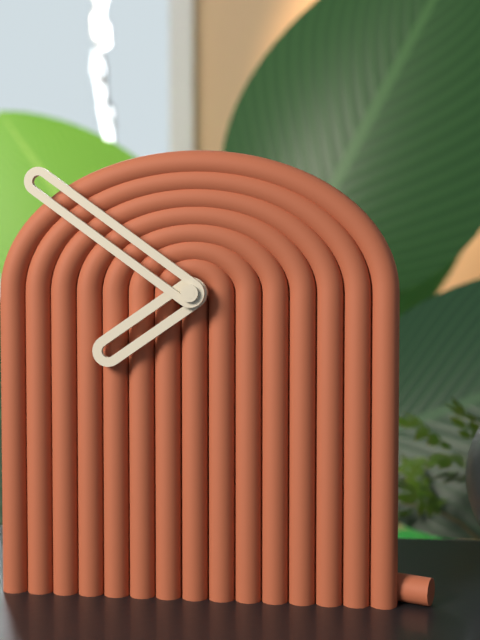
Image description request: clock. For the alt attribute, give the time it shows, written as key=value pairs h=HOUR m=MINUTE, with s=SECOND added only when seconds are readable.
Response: h=7 m=51
